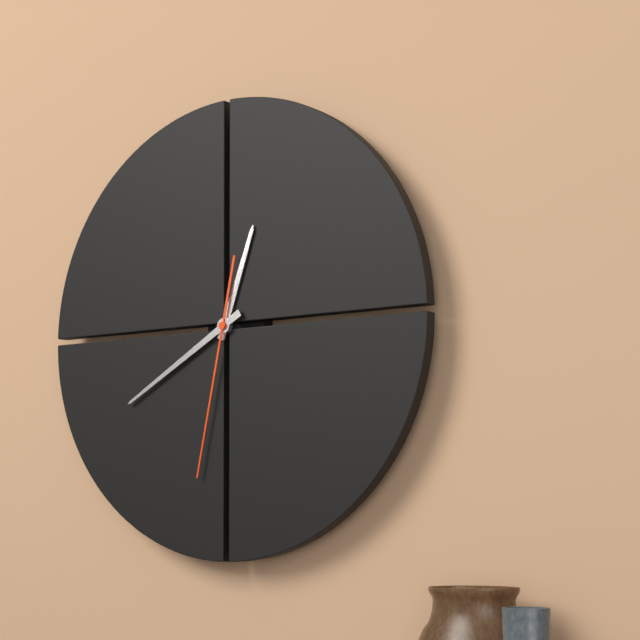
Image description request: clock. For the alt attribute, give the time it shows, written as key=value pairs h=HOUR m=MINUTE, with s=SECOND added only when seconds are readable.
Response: h=12 m=40 s=32
